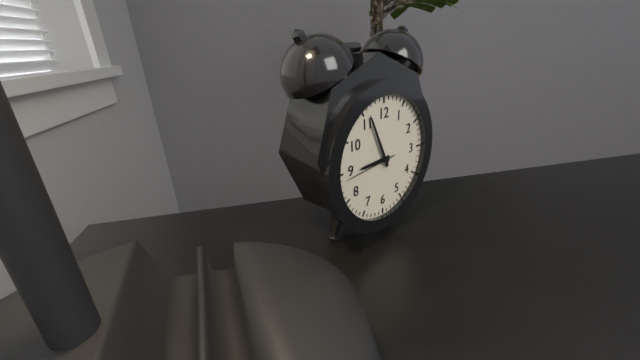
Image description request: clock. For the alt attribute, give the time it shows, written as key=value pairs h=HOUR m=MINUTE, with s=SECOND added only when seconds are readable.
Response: h=8 m=56 s=44
